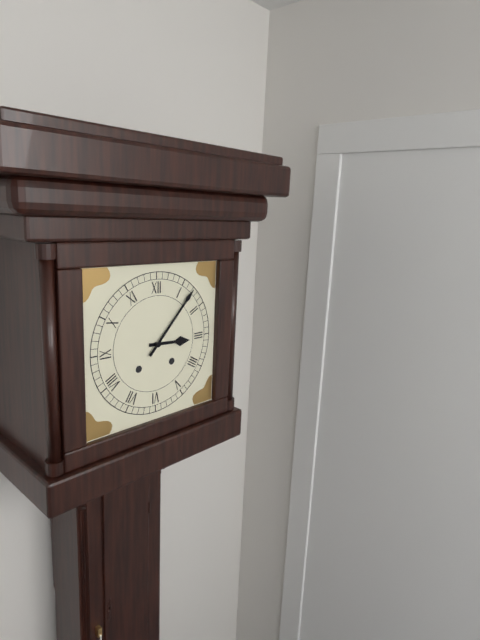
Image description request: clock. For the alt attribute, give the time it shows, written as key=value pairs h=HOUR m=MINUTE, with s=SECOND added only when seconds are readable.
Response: h=3 m=7
